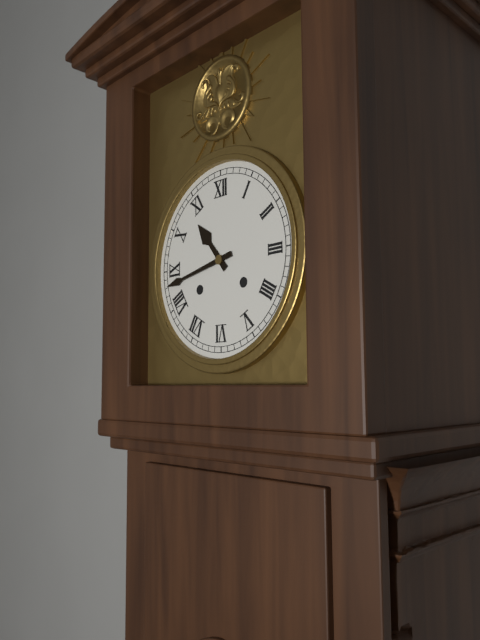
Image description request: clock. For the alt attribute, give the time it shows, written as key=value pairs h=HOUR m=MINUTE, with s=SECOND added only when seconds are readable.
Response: h=10 m=43
